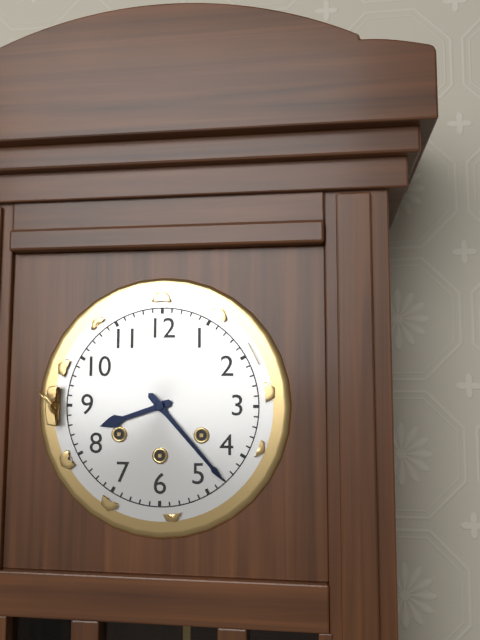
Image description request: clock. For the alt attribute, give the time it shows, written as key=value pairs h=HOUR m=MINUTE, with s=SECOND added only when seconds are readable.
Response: h=8 m=23
